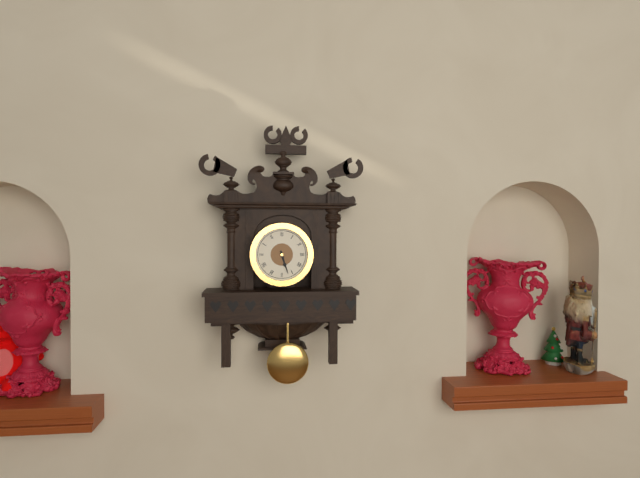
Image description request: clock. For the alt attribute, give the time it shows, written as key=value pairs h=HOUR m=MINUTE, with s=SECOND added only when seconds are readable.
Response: h=5 m=27
